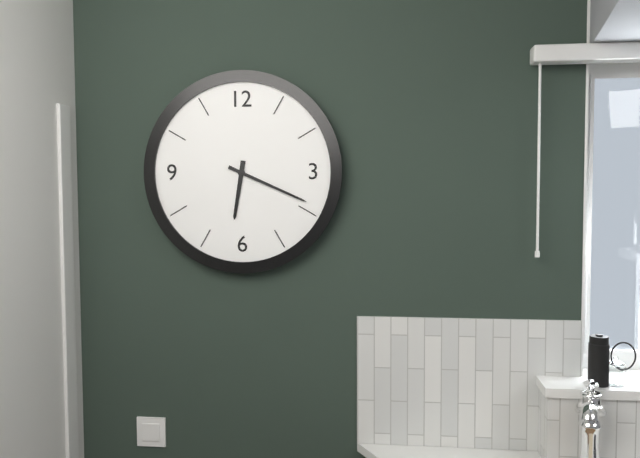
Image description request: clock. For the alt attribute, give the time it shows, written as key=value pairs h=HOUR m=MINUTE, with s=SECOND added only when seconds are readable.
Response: h=6 m=19
